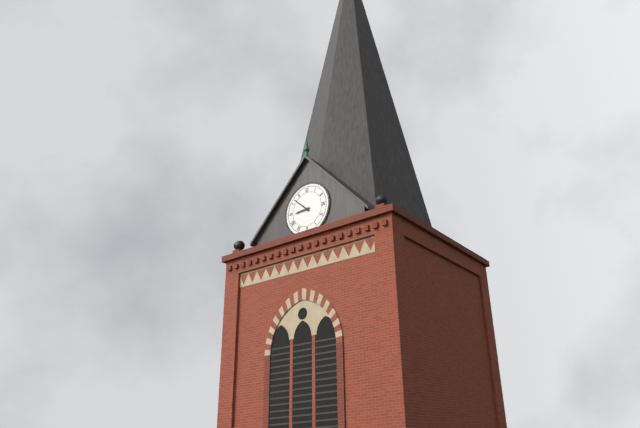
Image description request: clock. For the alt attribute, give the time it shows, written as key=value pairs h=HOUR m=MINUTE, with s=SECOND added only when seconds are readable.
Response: h=8 m=52
